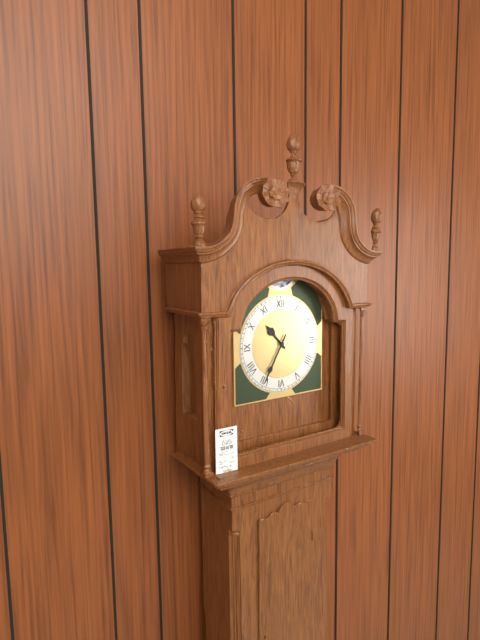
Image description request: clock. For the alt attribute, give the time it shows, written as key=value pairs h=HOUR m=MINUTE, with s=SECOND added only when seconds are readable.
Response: h=10 m=35
